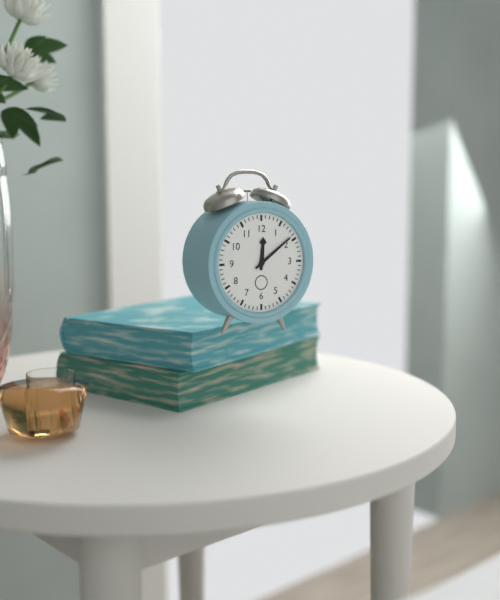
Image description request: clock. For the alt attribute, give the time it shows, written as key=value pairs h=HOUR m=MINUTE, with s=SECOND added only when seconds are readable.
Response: h=12 m=9
